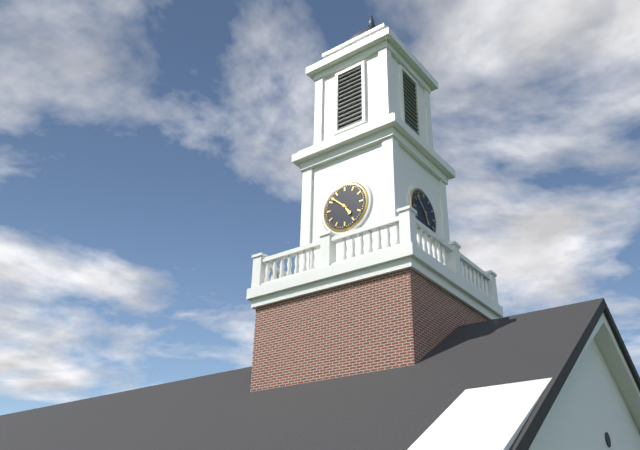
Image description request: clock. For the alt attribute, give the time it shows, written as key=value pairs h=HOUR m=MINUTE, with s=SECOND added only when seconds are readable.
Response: h=4 m=52
